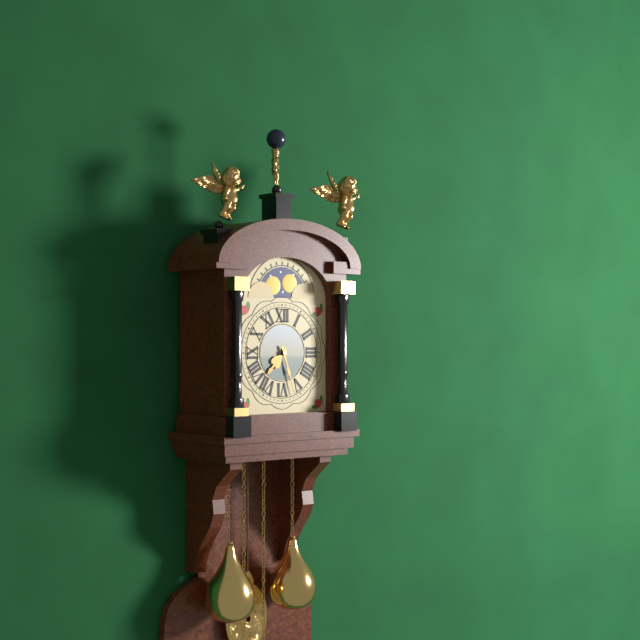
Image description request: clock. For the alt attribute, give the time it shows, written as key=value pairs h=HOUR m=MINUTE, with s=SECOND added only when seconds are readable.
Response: h=7 m=27
